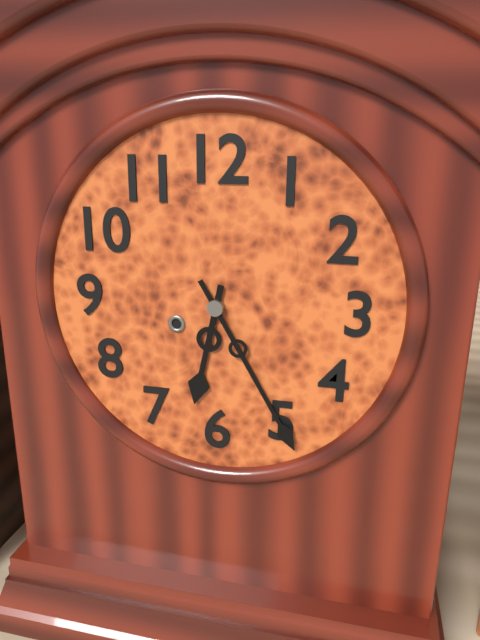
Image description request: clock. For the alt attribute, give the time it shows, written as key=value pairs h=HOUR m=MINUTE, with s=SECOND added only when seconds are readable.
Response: h=6 m=25
